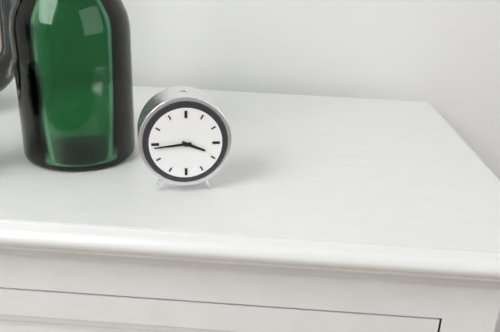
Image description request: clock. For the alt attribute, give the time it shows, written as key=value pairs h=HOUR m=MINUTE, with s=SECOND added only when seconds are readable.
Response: h=3 m=44
